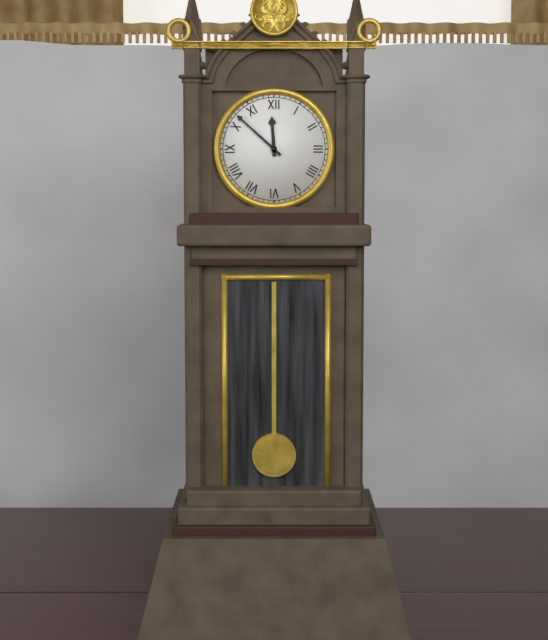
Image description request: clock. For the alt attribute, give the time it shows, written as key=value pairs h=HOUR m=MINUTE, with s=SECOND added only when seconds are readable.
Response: h=11 m=52
